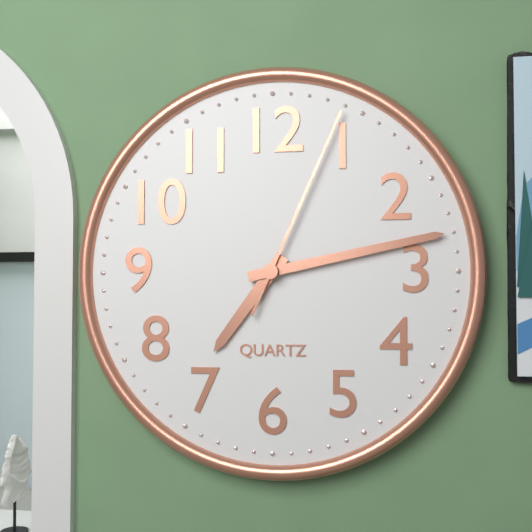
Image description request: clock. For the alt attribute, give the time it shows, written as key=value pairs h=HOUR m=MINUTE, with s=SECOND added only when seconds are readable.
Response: h=7 m=13 s=4
